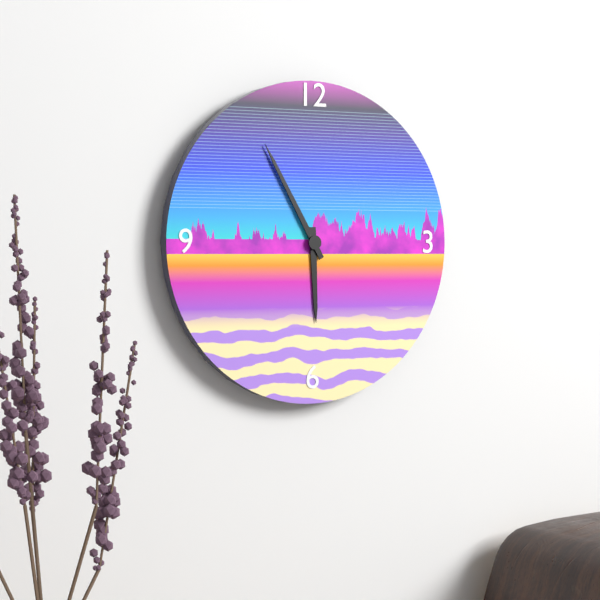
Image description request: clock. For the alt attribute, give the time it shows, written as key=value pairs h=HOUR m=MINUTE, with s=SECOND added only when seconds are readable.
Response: h=5 m=55
